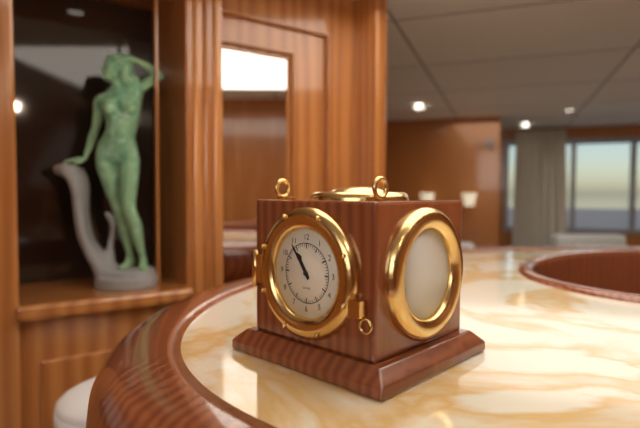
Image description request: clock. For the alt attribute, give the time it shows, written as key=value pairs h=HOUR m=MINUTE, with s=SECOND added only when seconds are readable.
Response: h=10 m=54
